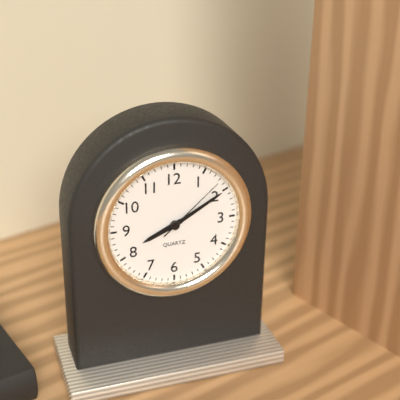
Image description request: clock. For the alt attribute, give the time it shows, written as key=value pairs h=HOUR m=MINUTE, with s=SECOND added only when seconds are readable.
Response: h=8 m=10 s=8
